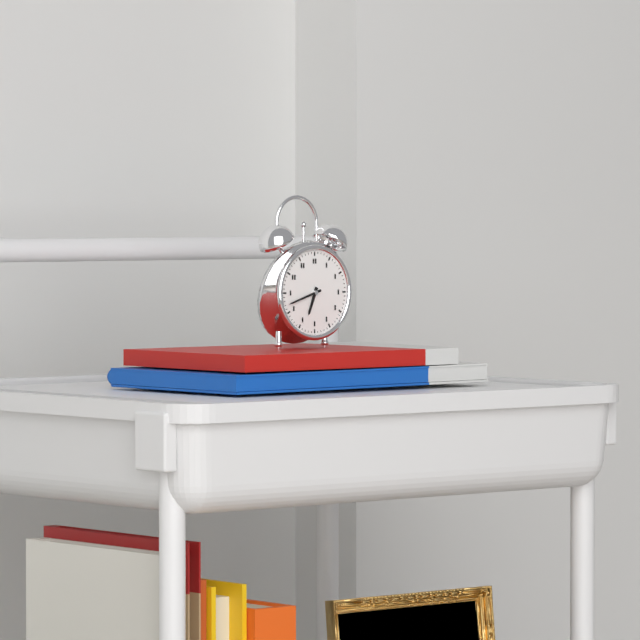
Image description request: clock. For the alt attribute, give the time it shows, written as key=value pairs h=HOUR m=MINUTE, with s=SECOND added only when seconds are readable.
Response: h=6 m=42
